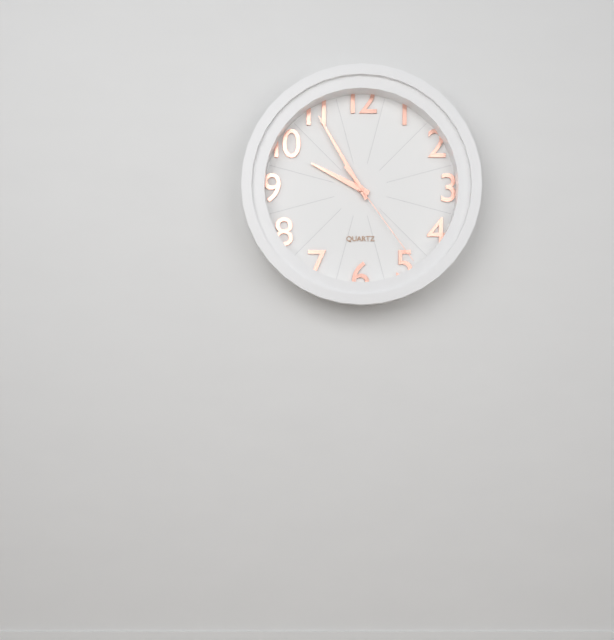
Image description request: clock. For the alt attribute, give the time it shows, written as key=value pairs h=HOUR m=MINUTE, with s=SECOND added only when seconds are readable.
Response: h=9 m=55 s=24
